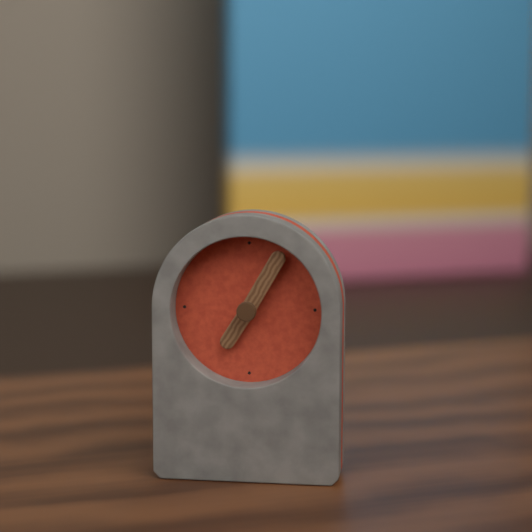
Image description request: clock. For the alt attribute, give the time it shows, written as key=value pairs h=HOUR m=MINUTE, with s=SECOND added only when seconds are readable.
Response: h=7 m=5
